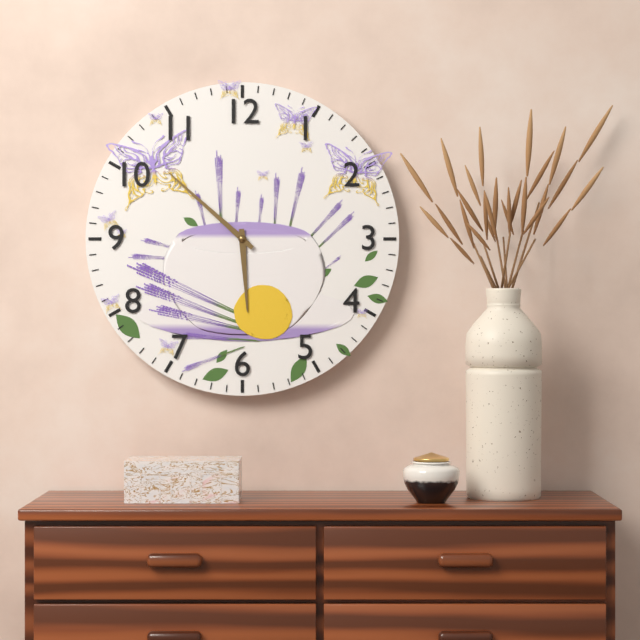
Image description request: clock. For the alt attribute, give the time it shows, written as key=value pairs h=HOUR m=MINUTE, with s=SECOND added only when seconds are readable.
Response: h=5 m=52
